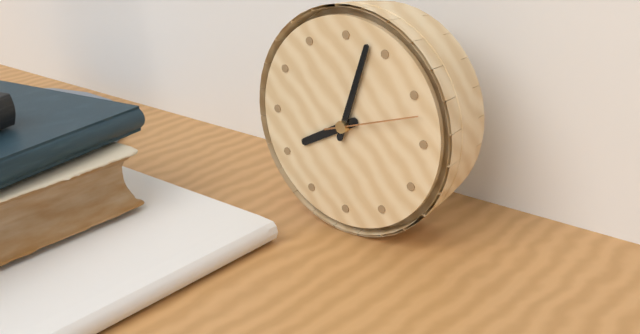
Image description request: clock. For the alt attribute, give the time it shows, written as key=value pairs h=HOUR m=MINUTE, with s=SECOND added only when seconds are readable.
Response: h=8 m=3 s=12
